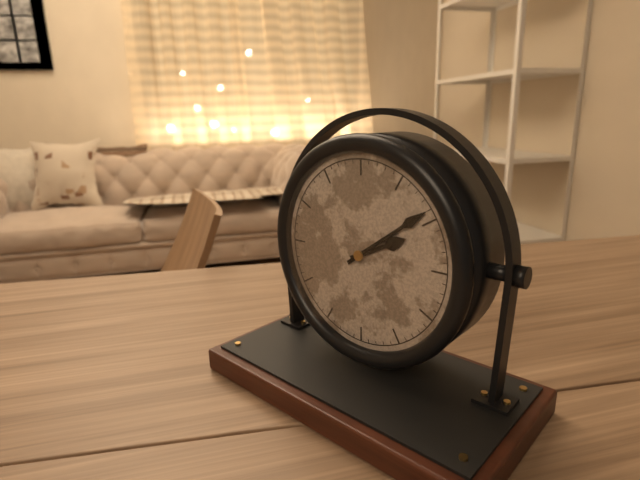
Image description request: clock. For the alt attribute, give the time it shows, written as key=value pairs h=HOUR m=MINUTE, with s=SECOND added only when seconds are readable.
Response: h=2 m=9
